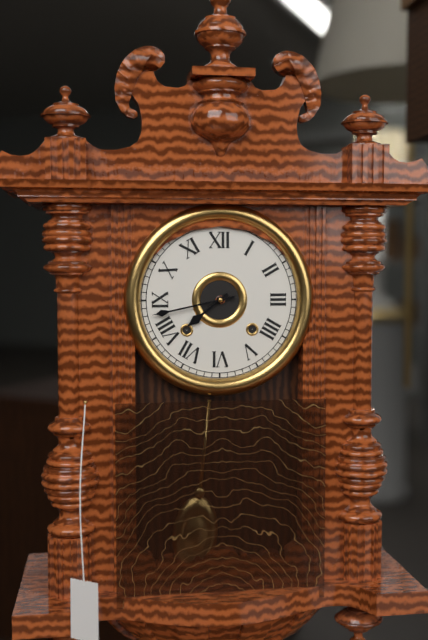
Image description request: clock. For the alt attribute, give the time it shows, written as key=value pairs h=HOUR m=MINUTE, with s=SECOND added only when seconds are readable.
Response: h=7 m=43
